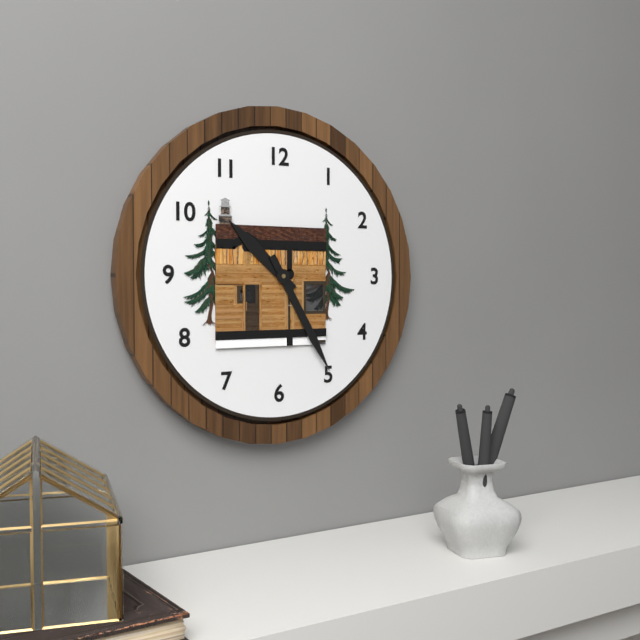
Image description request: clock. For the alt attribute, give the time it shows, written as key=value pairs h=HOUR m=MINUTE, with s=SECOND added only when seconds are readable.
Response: h=10 m=25
